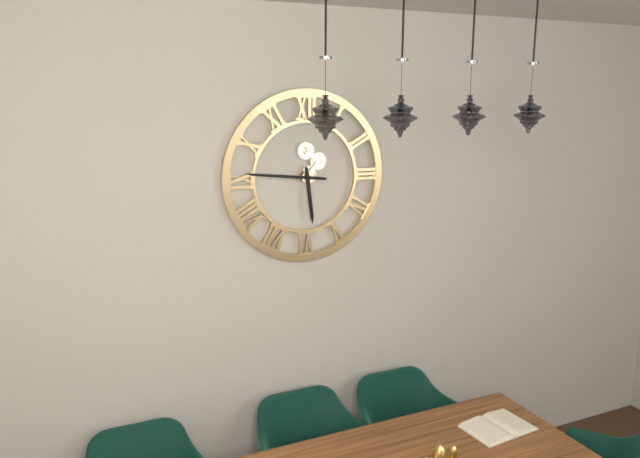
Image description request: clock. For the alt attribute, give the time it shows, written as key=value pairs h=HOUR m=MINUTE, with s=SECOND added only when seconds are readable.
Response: h=5 m=46
